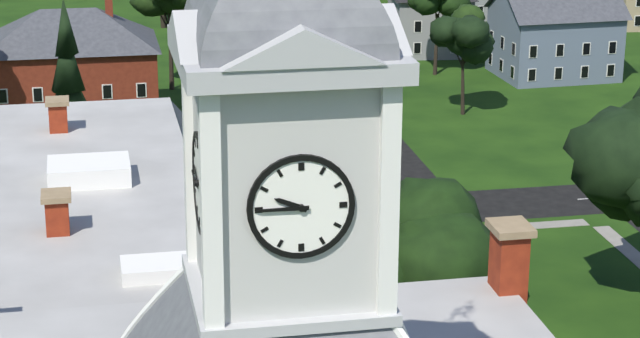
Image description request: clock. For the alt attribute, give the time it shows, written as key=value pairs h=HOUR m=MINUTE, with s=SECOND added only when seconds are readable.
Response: h=9 m=45
